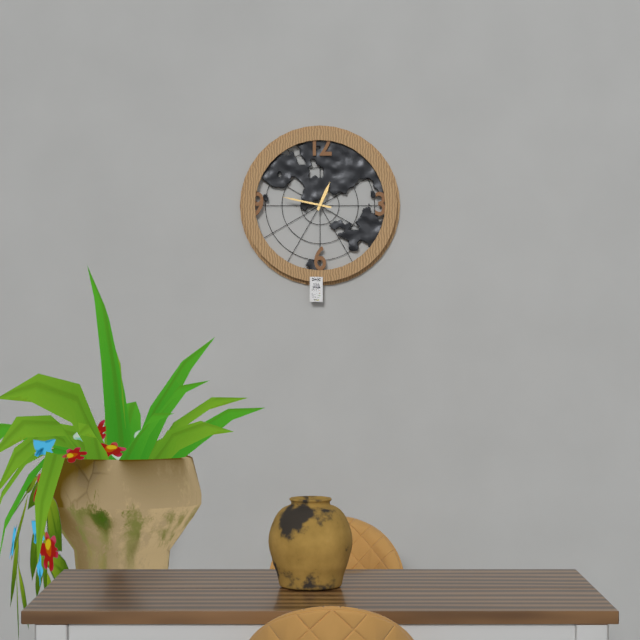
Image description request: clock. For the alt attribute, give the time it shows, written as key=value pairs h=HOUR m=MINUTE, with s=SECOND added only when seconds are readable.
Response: h=12 m=47
